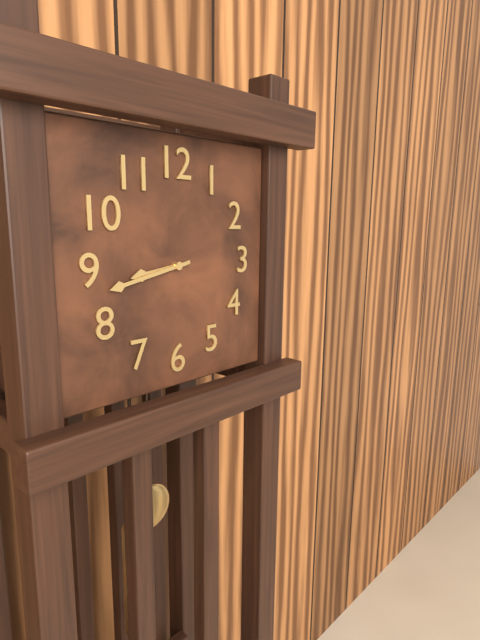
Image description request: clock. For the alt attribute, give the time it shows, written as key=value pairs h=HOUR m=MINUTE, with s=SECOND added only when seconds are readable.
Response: h=8 m=43
